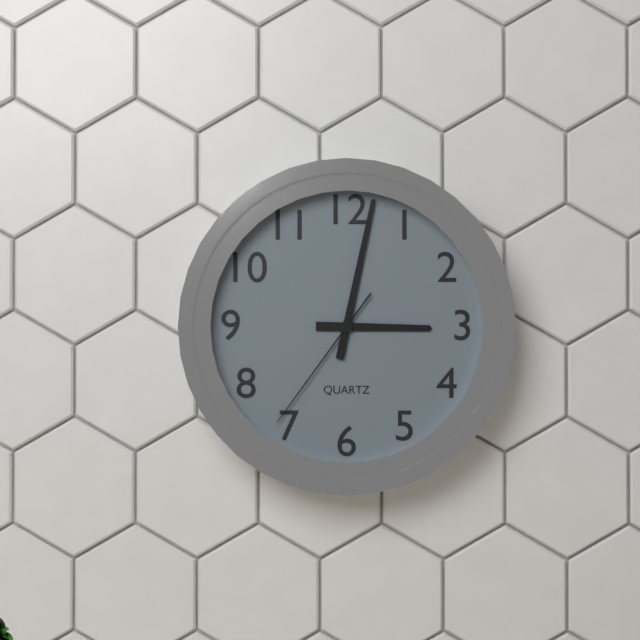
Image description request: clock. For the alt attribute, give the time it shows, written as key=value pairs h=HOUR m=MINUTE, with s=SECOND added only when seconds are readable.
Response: h=3 m=2 s=36
